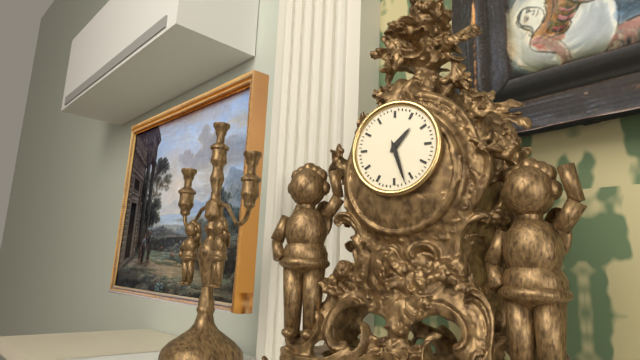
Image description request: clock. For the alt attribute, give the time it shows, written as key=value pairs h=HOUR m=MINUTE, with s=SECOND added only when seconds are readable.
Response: h=1 m=27
